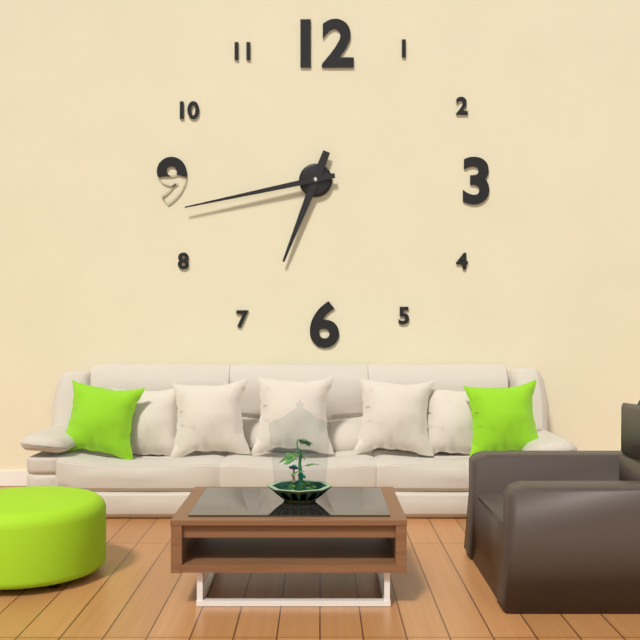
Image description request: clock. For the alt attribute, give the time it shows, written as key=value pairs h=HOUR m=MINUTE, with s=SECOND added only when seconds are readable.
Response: h=6 m=43
